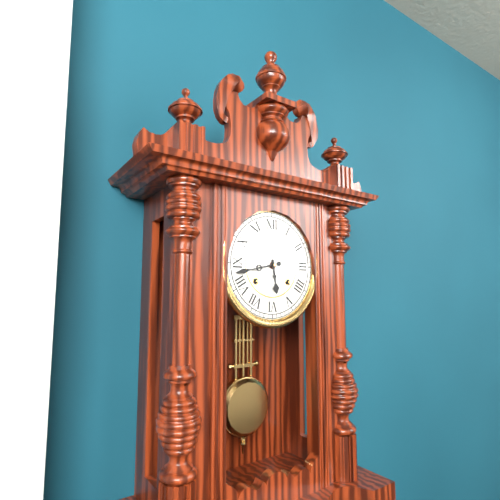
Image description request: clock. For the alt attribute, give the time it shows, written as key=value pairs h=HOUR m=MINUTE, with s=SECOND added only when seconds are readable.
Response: h=5 m=43
